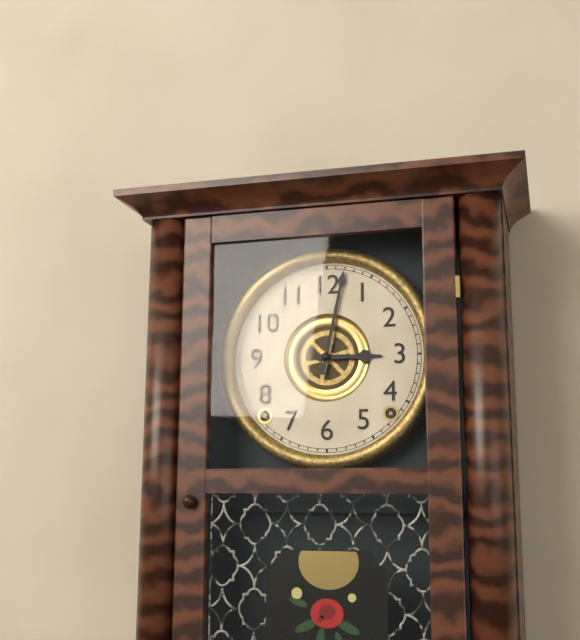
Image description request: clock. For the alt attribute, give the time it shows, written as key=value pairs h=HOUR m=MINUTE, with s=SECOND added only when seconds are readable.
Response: h=3 m=2
